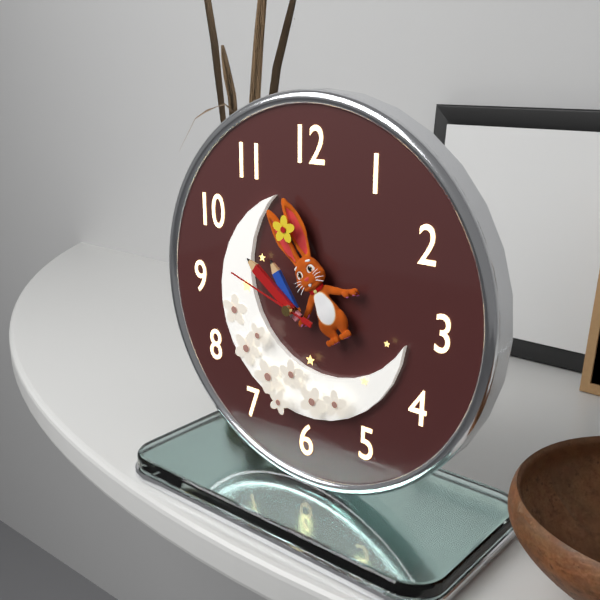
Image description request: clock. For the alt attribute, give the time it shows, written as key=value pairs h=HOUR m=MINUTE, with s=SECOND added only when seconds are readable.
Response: h=10 m=51 s=48
